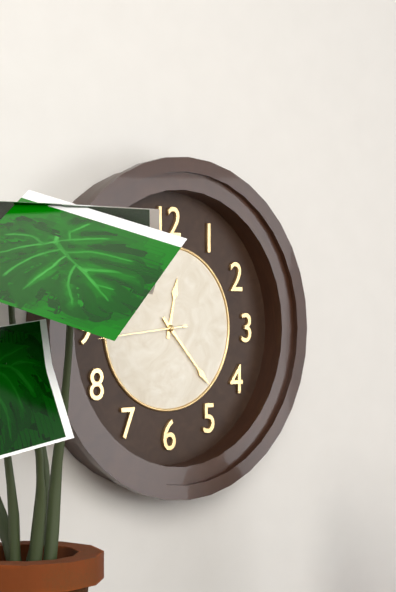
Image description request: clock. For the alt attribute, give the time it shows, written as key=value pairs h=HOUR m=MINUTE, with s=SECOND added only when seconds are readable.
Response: h=12 m=23 s=44
